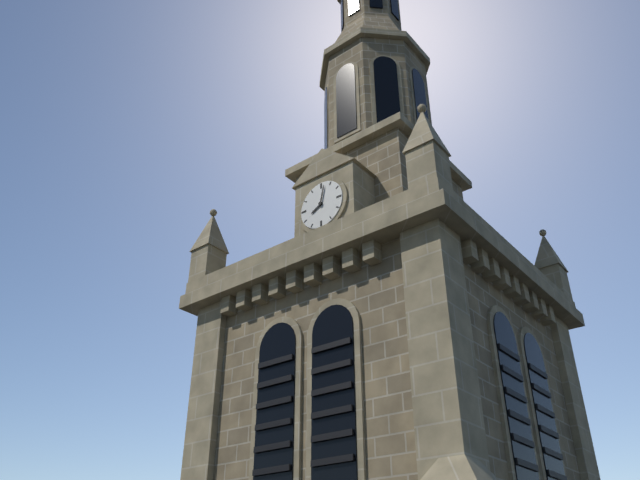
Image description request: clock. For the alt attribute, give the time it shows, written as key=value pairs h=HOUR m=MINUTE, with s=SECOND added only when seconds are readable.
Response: h=8 m=2
